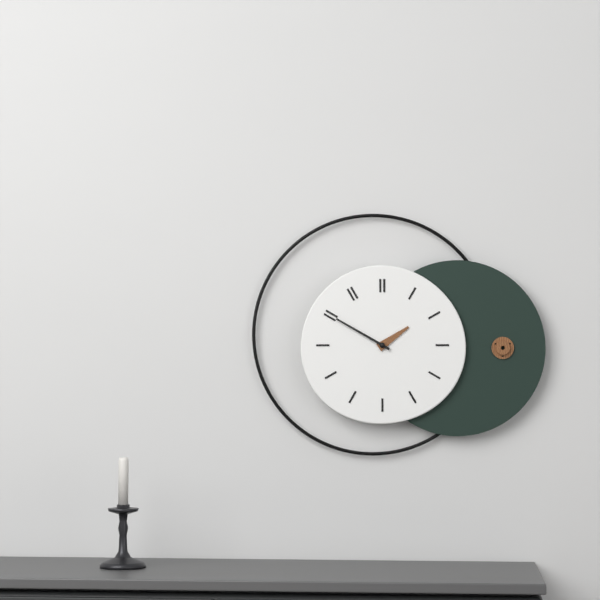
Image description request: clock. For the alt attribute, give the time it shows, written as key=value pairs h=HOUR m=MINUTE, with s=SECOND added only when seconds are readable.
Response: h=1 m=50
